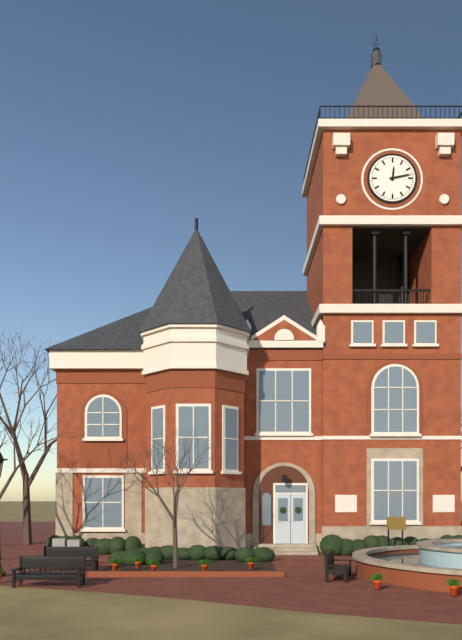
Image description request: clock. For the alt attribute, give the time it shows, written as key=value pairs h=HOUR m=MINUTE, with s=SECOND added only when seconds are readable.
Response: h=12 m=13
